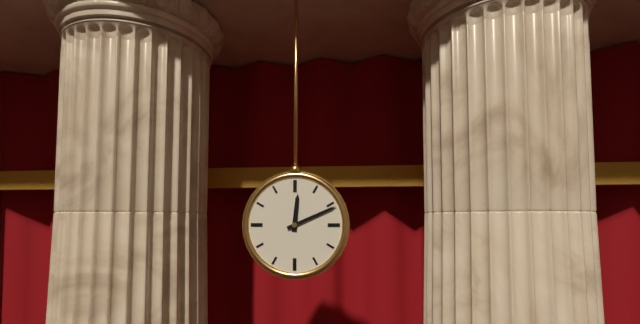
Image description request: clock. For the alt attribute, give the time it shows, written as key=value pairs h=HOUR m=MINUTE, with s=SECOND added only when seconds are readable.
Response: h=12 m=11
